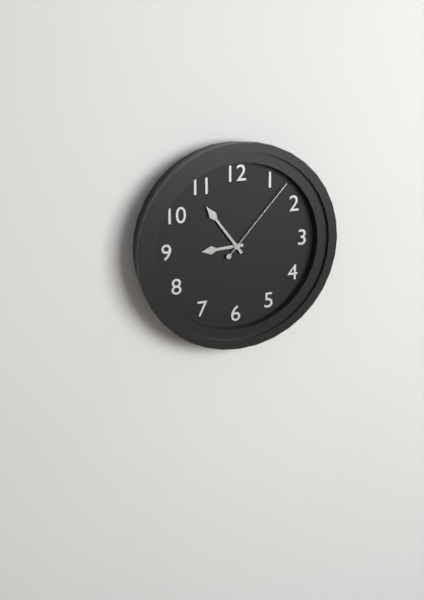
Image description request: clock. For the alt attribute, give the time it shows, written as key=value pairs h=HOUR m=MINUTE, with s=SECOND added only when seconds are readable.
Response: h=8 m=54 s=7
